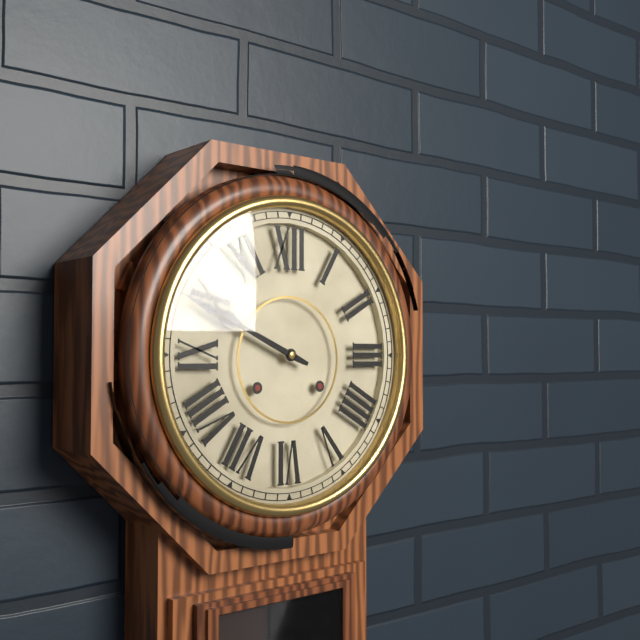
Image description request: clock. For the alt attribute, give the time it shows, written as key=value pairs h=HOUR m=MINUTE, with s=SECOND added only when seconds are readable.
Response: h=9 m=49
